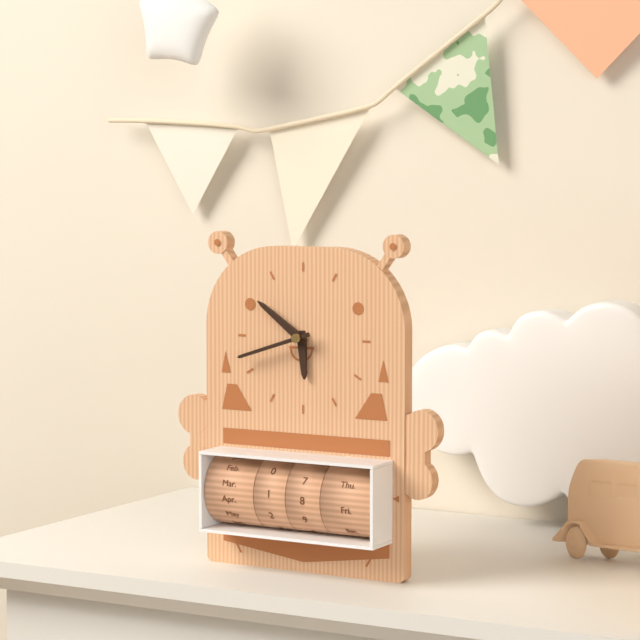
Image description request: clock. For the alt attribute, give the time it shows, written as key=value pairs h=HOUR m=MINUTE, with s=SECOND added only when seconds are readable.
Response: h=5 m=51 s=42
